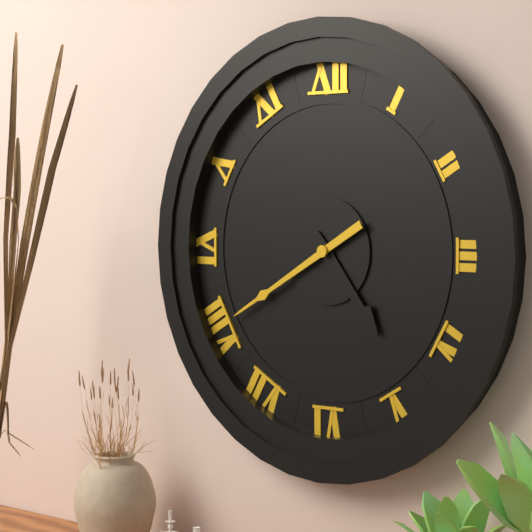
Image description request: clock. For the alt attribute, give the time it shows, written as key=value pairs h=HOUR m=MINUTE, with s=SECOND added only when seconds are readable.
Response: h=4 m=40
